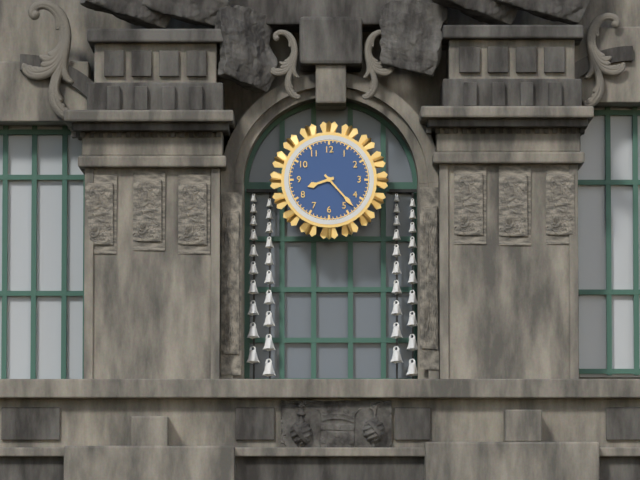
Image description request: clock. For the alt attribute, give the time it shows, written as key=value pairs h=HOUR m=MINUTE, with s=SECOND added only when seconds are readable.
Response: h=8 m=23
